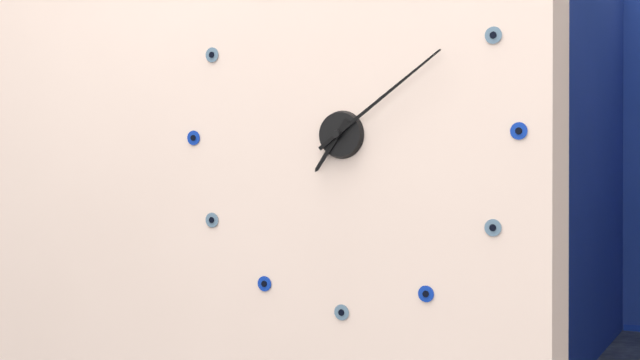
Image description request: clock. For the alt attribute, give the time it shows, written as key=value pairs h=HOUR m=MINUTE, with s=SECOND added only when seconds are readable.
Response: h=7 m=9
